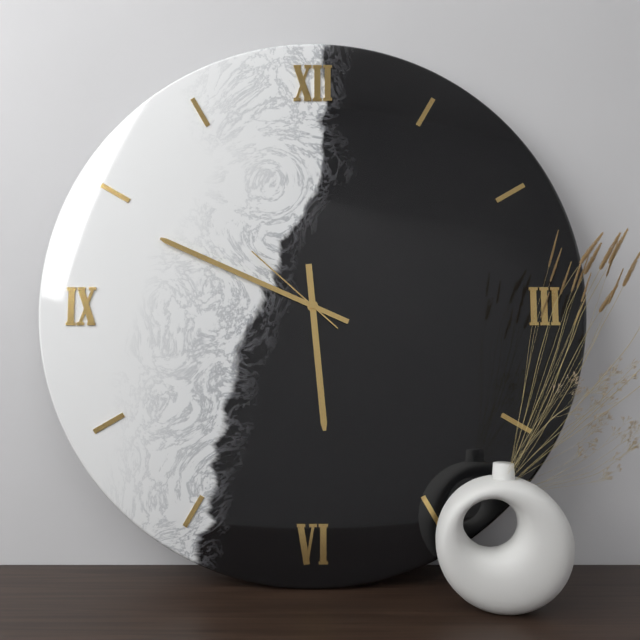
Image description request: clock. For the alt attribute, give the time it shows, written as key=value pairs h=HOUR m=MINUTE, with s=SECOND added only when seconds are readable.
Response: h=5 m=49 s=52
